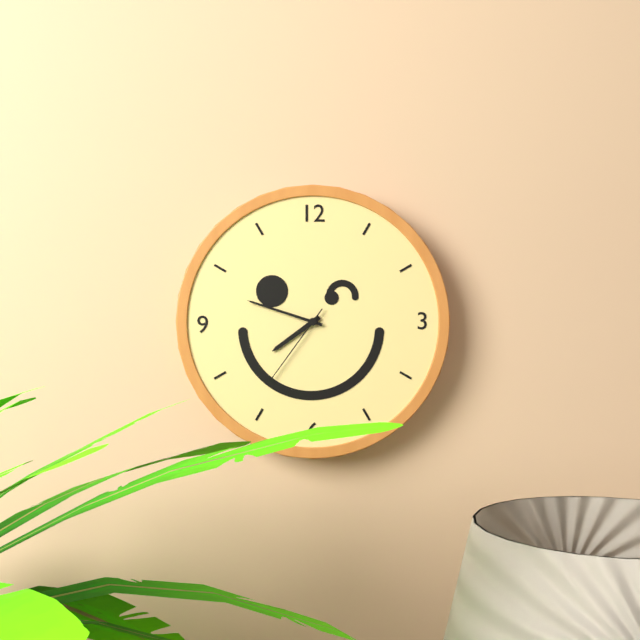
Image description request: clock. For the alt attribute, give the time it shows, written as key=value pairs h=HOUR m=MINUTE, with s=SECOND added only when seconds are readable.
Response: h=7 m=48 s=36
